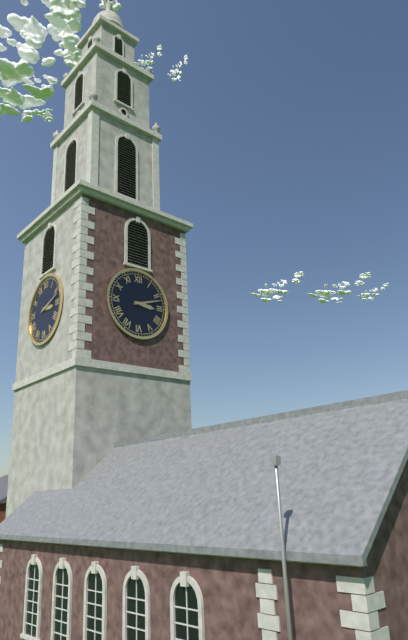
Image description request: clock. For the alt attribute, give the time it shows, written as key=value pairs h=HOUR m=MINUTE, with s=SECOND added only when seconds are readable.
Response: h=3 m=12
